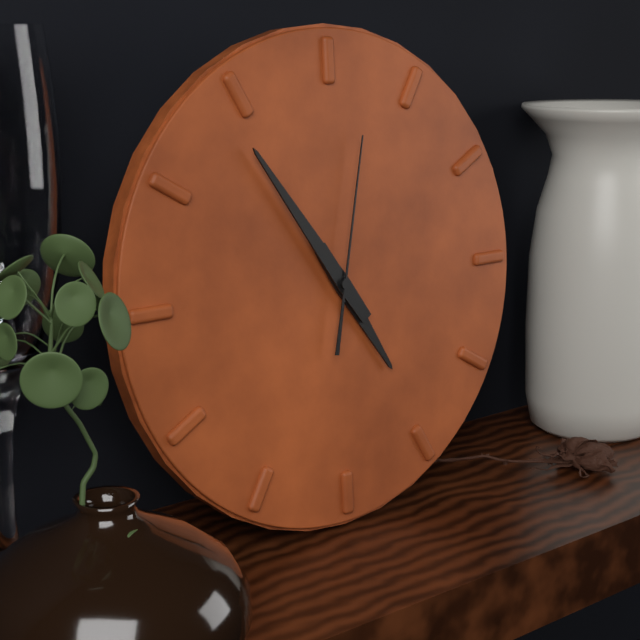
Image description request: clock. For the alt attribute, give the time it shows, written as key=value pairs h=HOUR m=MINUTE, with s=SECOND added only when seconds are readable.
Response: h=4 m=54 s=2
